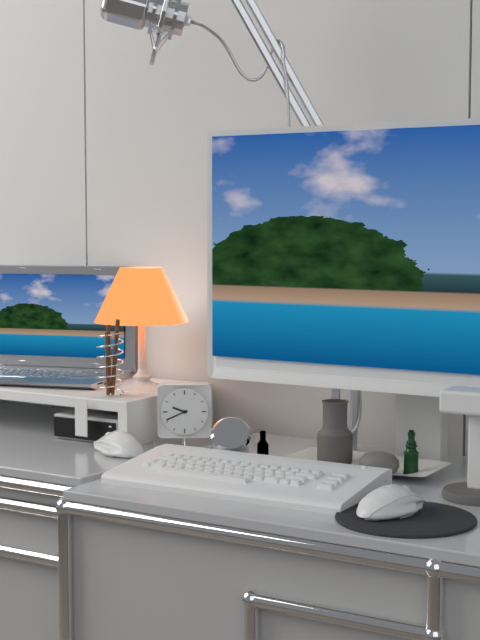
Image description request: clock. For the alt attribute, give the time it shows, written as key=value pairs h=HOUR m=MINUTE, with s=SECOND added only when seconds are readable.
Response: h=9 m=41
